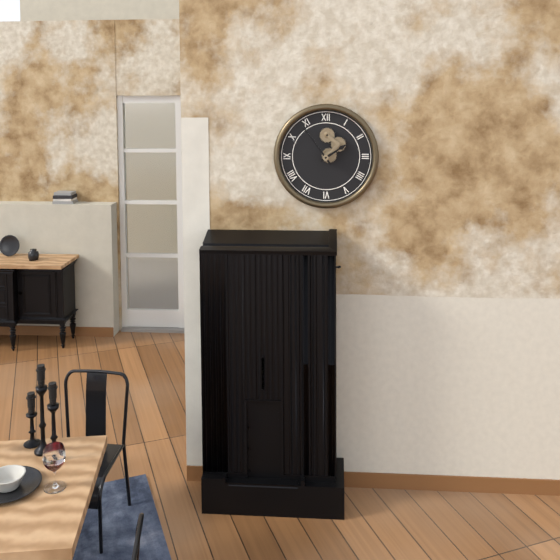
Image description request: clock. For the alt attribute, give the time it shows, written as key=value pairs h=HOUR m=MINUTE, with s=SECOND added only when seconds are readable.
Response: h=1 m=54
